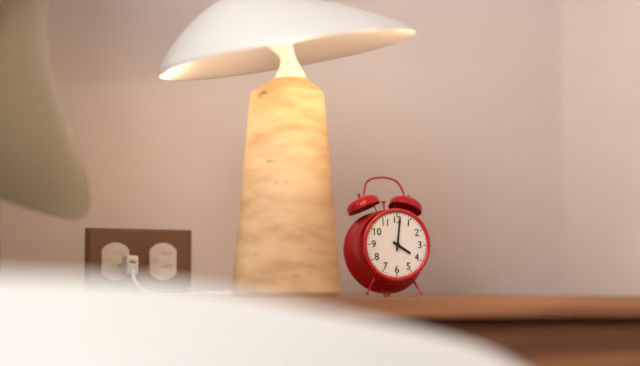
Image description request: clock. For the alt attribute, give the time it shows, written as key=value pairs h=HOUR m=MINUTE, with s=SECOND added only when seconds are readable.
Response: h=4 m=1
